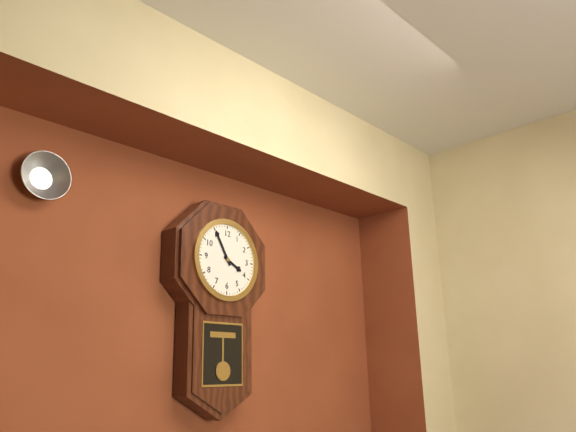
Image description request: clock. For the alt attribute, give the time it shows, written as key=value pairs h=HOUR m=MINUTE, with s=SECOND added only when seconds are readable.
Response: h=3 m=55
